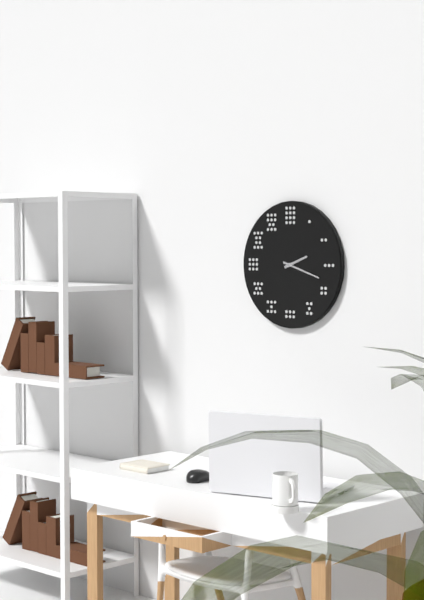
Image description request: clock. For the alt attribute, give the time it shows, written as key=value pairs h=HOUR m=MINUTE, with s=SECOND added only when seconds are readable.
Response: h=2 m=18
